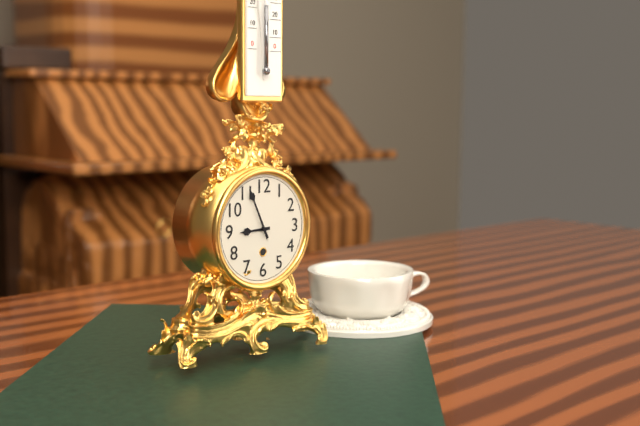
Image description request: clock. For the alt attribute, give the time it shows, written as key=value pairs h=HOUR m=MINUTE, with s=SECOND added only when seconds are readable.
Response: h=8 m=56
